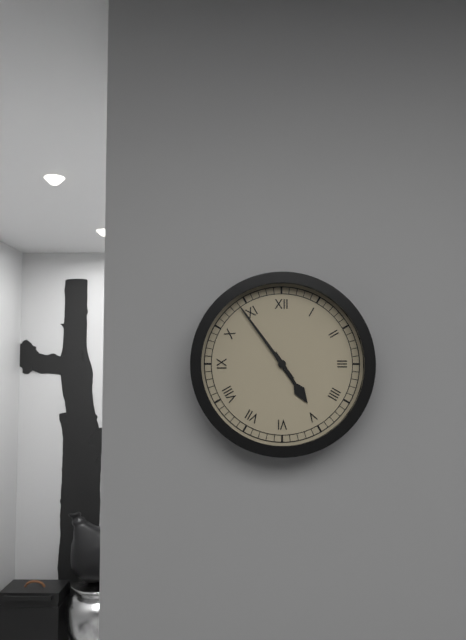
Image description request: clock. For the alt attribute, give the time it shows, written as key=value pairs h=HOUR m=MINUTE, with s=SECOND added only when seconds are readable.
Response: h=4 m=54
